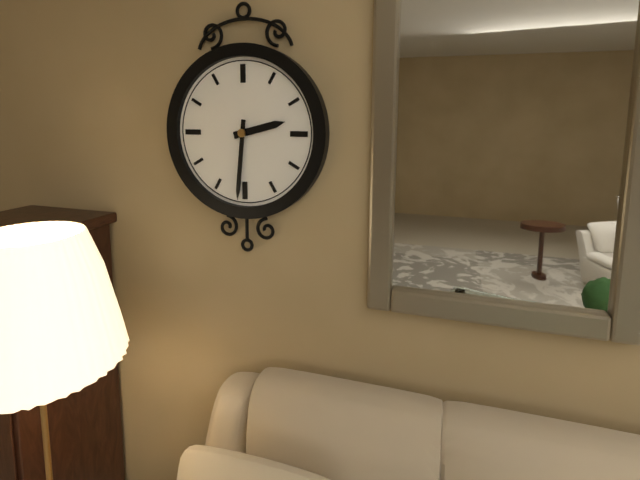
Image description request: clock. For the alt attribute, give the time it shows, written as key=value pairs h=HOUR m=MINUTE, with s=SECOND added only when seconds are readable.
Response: h=2 m=31
